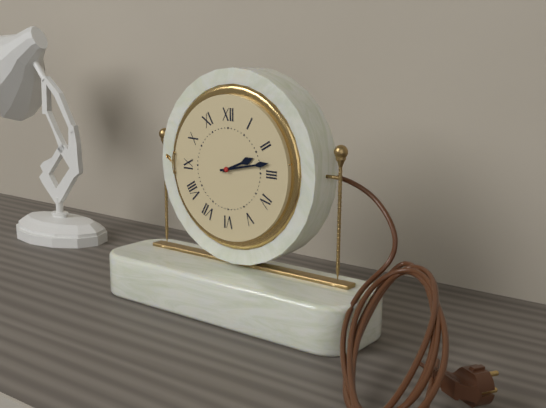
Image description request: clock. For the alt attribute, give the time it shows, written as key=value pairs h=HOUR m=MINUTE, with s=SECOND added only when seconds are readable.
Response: h=2 m=13
